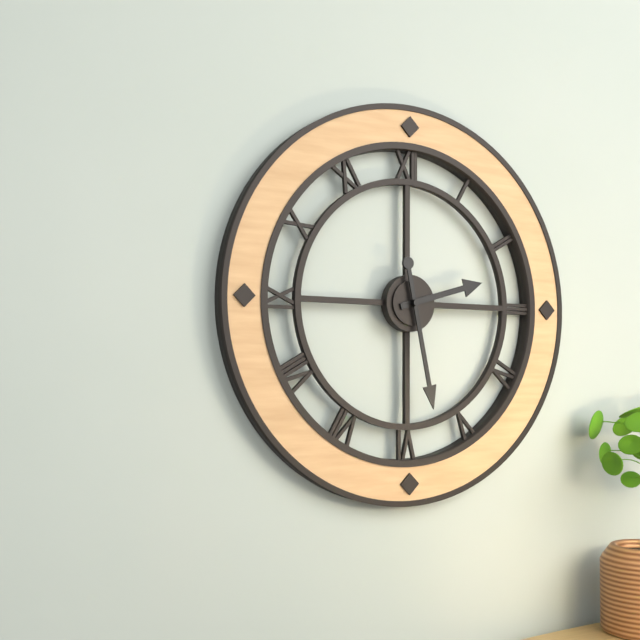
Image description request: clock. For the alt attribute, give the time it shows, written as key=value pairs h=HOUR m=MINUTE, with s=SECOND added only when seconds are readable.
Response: h=2 m=28
